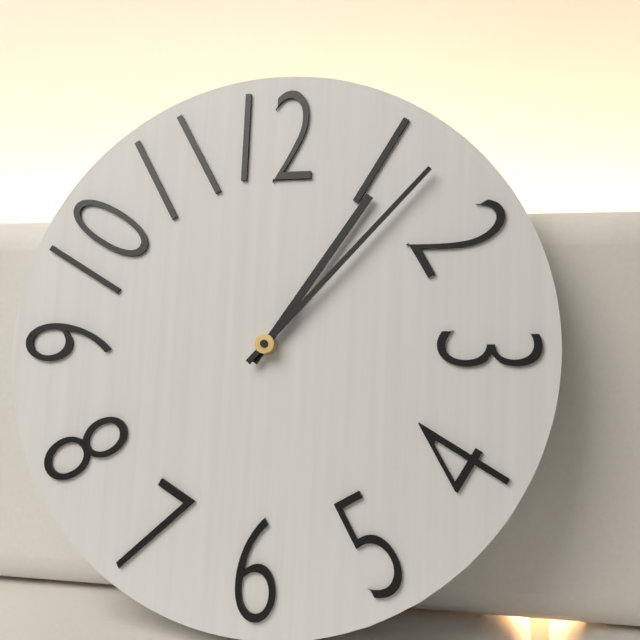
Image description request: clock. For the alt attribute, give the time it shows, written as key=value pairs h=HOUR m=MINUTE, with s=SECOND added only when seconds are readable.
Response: h=1 m=7
